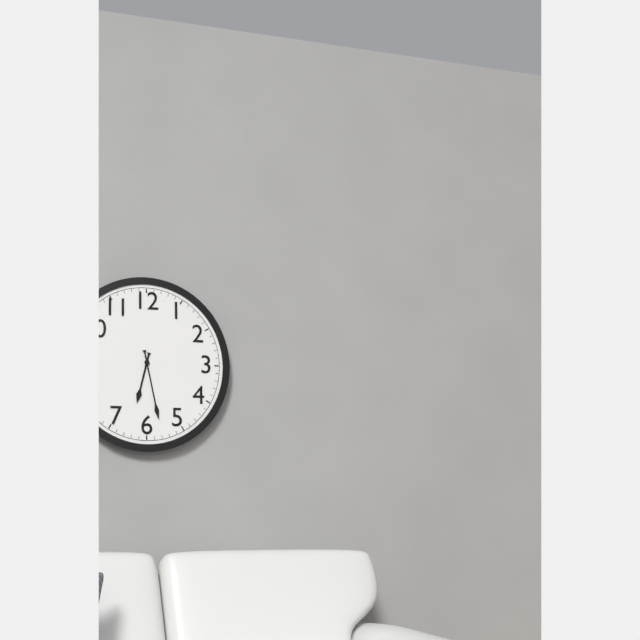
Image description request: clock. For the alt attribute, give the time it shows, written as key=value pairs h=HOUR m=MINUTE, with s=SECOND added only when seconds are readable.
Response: h=6 m=28
